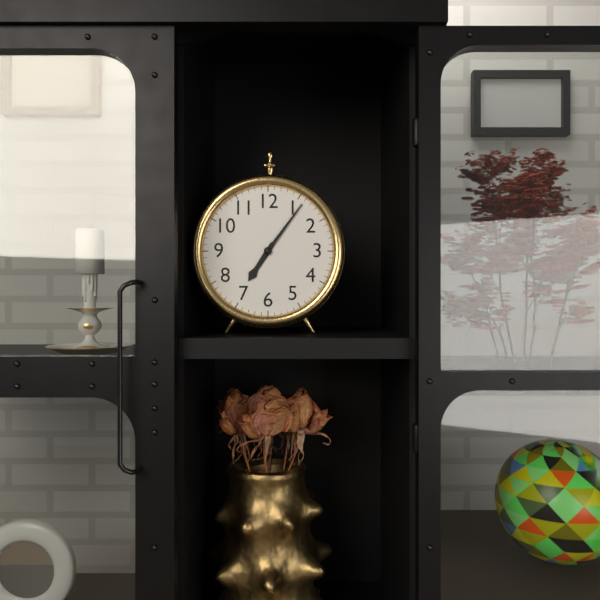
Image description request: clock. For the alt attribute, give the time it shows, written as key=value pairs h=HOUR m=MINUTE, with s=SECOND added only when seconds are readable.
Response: h=7 m=6
